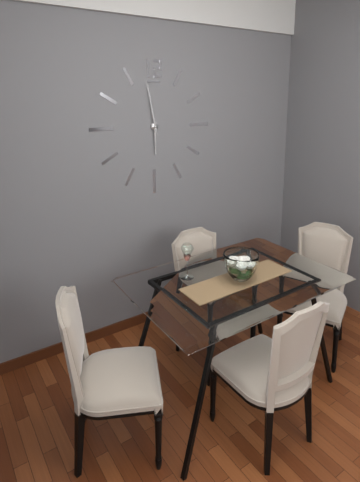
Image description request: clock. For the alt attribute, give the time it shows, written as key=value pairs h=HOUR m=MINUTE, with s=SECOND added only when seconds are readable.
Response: h=5 m=58
